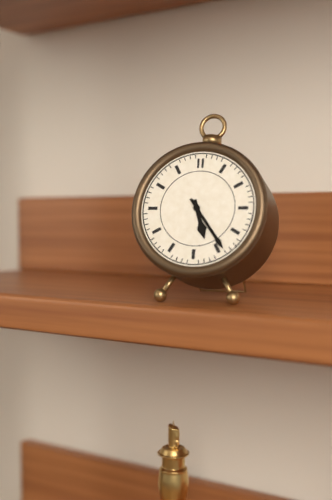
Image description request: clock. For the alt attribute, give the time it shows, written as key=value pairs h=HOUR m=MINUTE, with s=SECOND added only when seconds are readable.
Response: h=5 m=24
